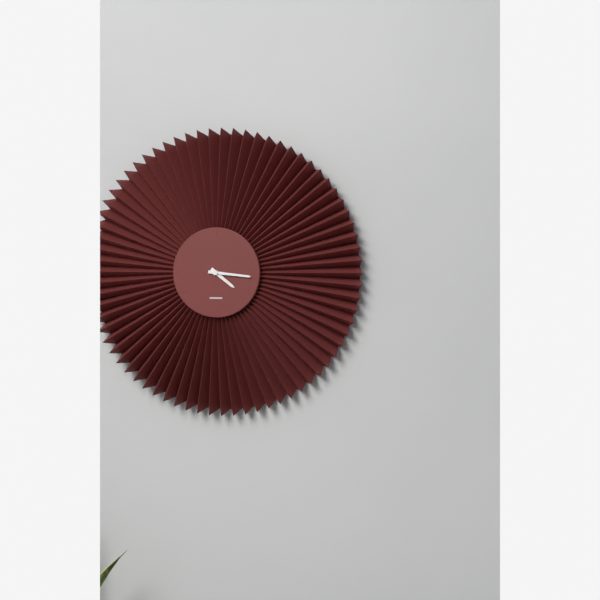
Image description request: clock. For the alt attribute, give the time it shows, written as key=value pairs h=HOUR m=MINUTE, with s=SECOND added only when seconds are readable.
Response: h=4 m=16
